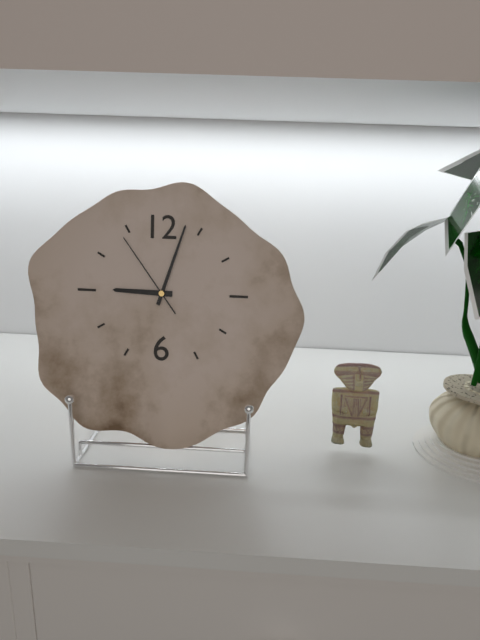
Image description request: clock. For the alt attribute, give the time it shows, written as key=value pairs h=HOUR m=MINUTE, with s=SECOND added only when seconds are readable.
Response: h=9 m=3 s=54
